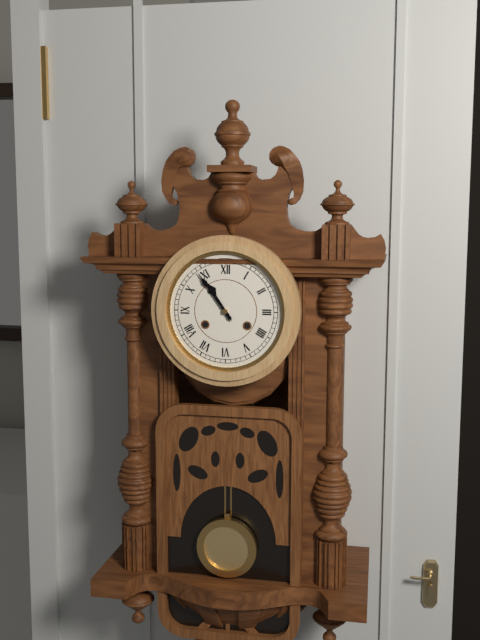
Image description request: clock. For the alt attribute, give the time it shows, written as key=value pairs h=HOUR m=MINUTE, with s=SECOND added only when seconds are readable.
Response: h=10 m=54
